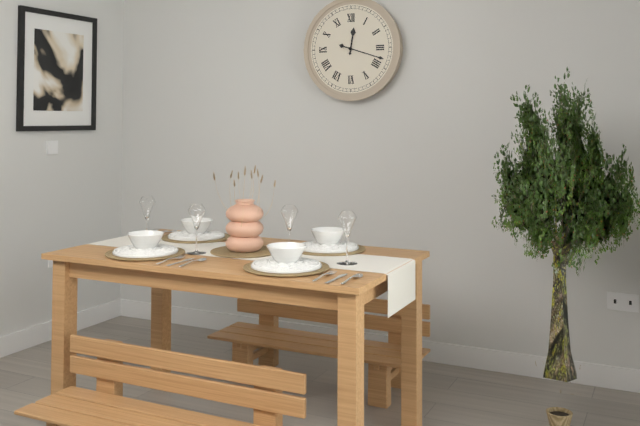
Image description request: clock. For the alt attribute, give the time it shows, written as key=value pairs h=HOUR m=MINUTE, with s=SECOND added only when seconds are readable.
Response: h=12 m=18
